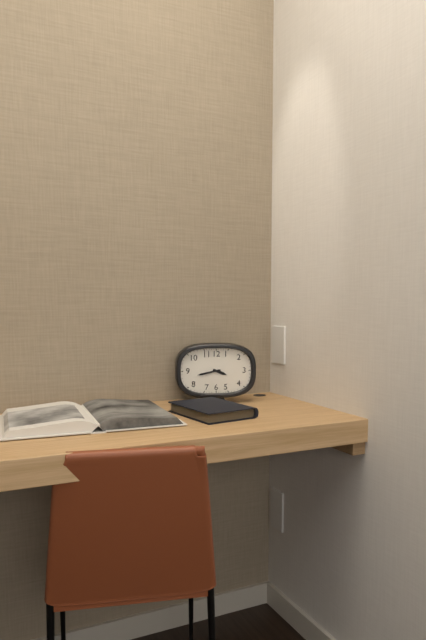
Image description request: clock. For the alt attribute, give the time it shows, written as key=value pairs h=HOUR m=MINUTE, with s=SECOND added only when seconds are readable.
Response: h=3 m=43
